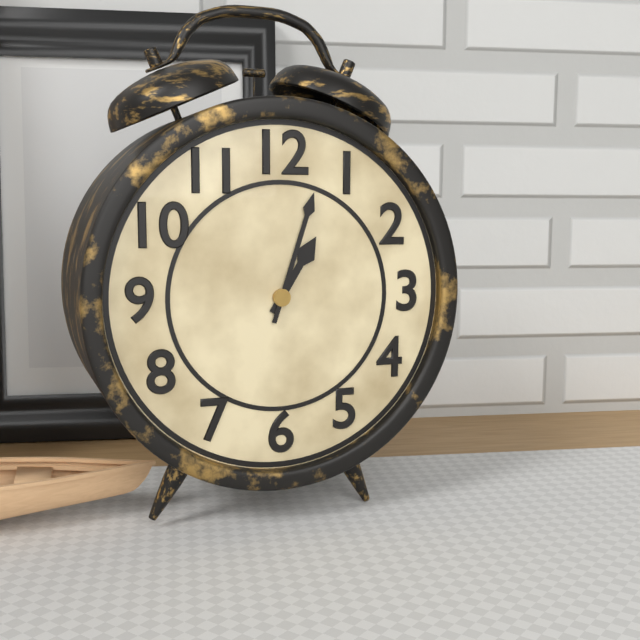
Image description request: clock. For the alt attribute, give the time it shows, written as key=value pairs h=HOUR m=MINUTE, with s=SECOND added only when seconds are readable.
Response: h=1 m=3
